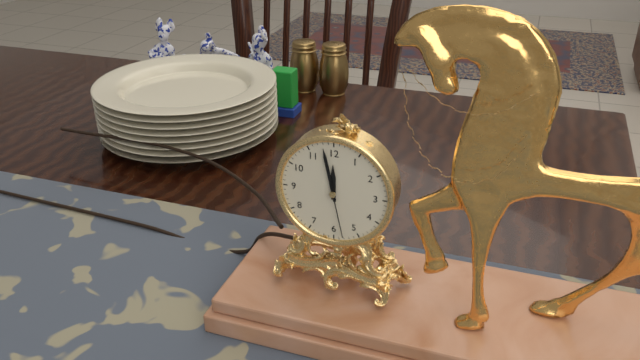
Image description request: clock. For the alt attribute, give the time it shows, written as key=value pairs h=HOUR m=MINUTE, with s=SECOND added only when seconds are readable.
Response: h=11 m=58 s=28
